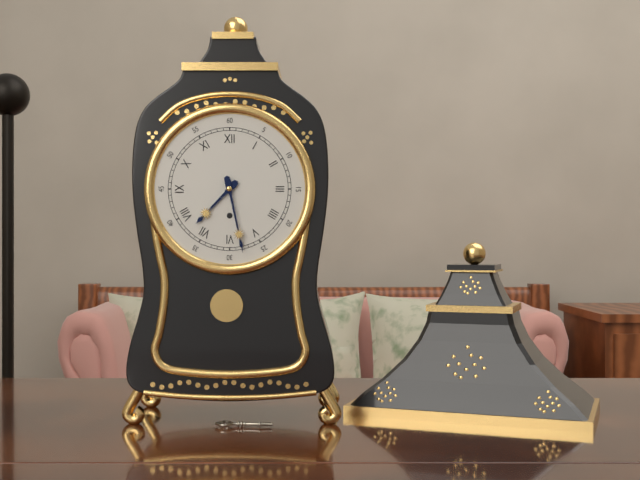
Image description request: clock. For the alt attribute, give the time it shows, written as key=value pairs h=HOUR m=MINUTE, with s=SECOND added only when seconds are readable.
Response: h=7 m=28
